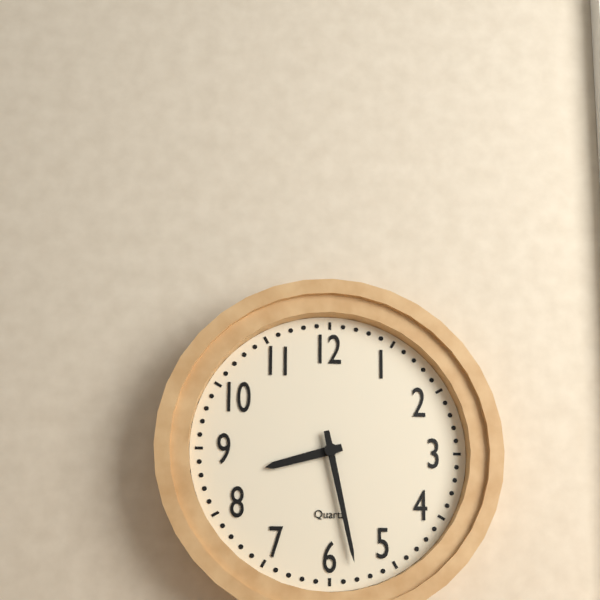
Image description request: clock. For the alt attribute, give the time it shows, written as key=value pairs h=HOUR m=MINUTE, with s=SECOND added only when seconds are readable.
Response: h=8 m=28
